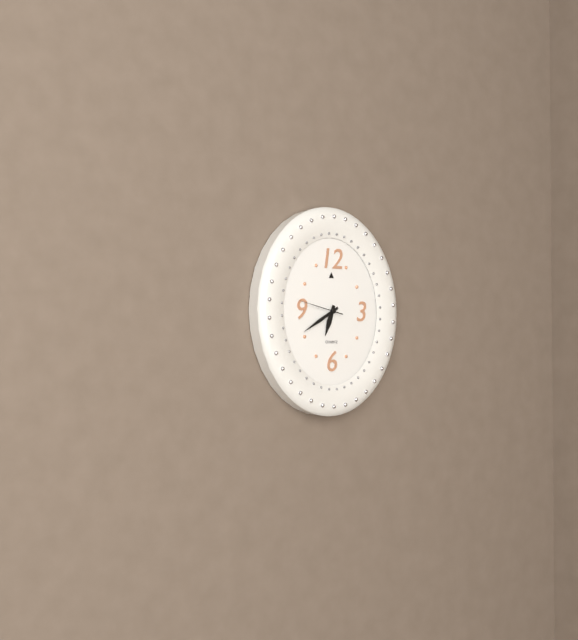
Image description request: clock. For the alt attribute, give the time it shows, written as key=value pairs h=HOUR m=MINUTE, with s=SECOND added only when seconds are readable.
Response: h=6 m=40
